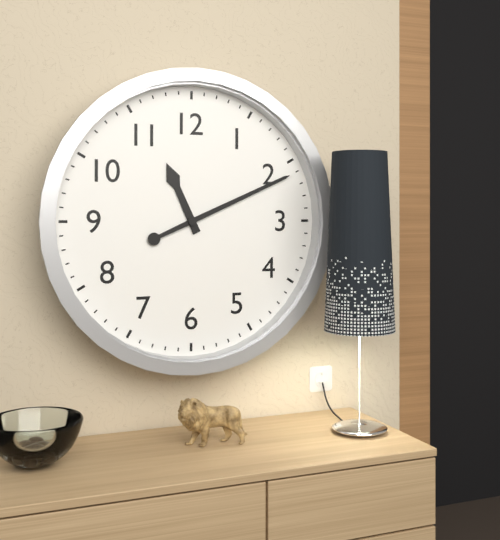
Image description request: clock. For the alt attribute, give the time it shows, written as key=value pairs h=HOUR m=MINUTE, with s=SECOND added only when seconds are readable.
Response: h=11 m=11
